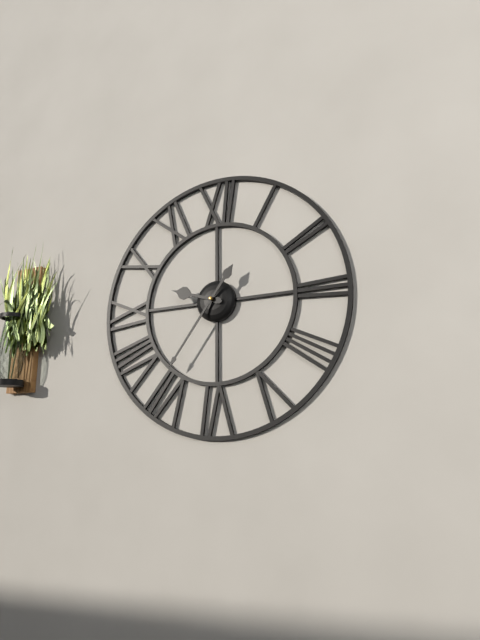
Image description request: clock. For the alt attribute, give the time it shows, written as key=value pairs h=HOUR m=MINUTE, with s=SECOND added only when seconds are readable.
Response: h=9 m=36
